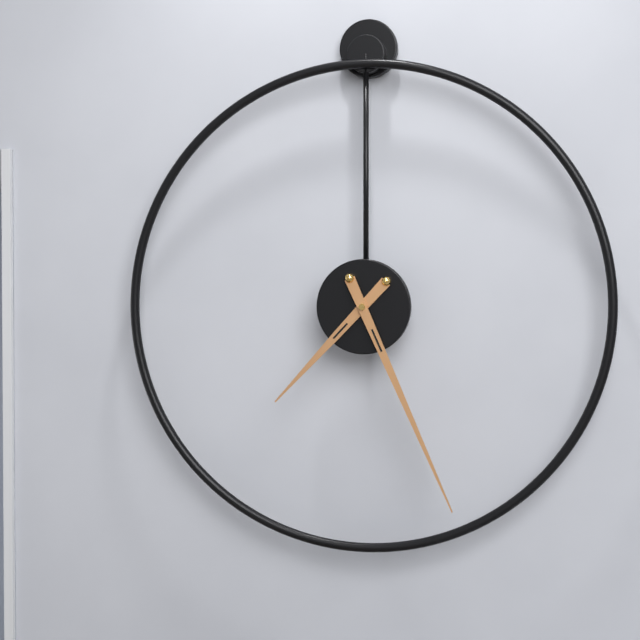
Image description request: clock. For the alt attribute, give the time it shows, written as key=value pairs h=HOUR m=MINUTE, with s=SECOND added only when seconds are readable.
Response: h=7 m=26
